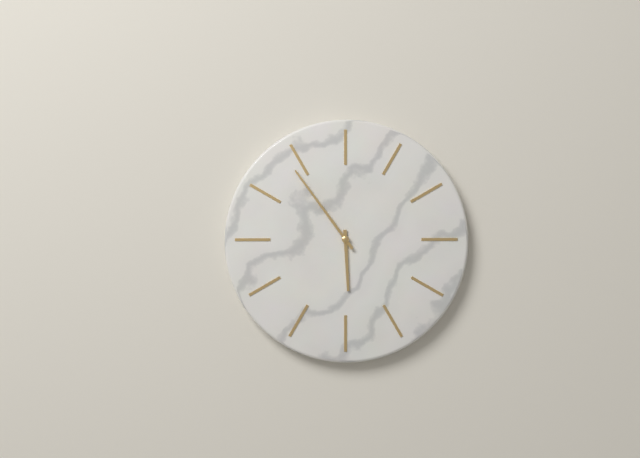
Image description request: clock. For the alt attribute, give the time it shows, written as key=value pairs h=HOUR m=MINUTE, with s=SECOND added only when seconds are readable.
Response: h=5 m=54
